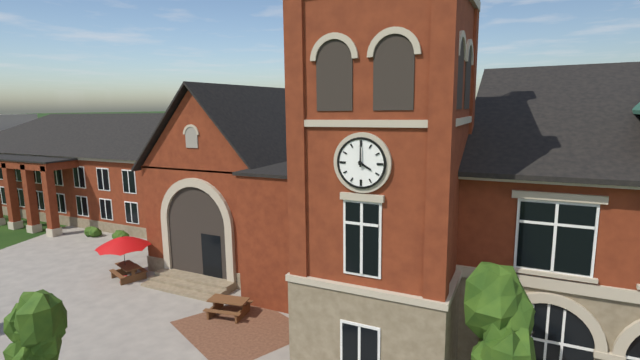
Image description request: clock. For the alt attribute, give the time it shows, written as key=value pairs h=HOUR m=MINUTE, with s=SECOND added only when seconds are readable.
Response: h=4 m=0
